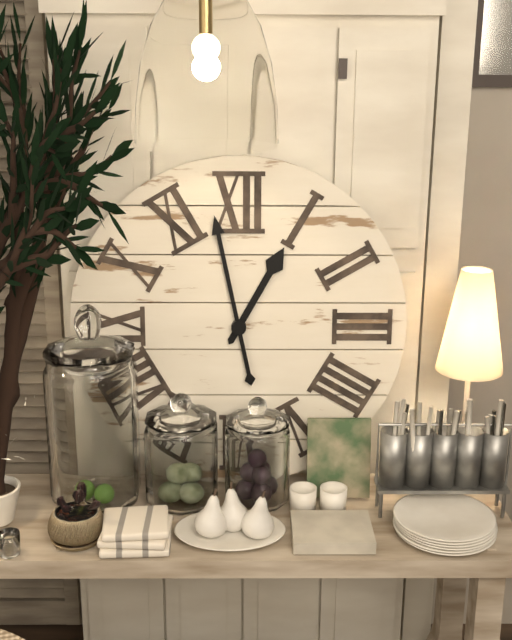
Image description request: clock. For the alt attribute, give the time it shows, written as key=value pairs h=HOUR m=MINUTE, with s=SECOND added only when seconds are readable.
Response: h=12 m=58
